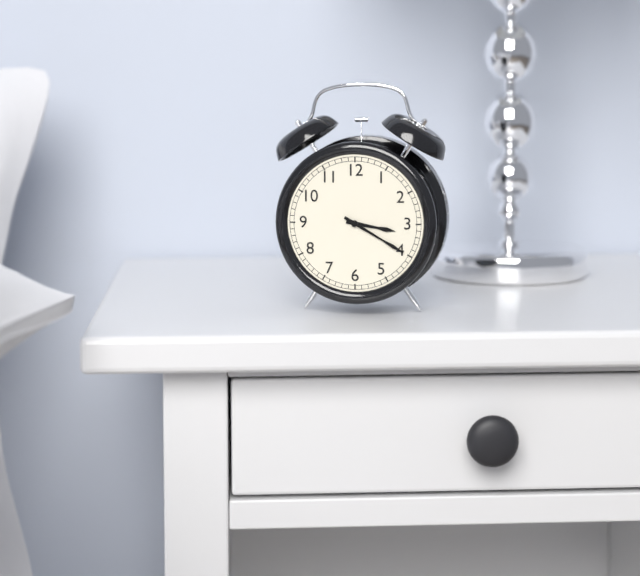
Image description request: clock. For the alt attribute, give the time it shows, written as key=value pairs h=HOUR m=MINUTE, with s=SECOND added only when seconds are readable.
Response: h=3 m=20
